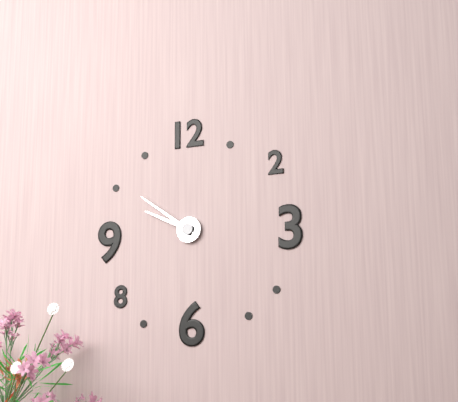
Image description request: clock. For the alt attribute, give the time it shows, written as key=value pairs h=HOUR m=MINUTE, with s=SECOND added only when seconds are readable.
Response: h=9 m=51
